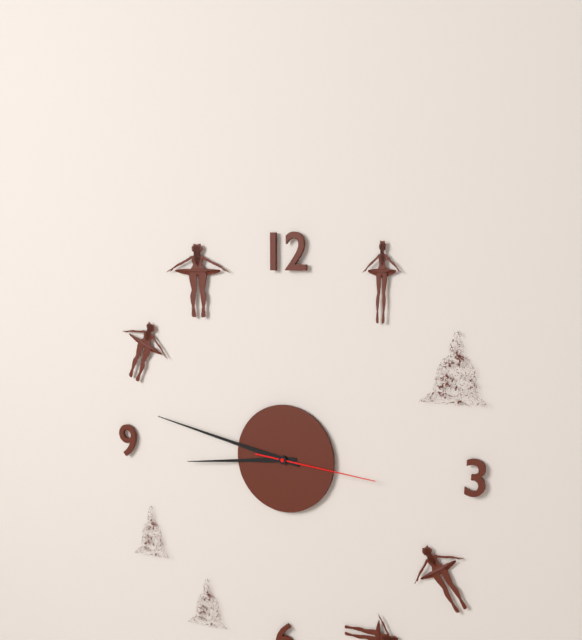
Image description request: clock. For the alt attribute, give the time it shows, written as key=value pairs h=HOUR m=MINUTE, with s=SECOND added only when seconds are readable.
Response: h=8 m=47 s=16
